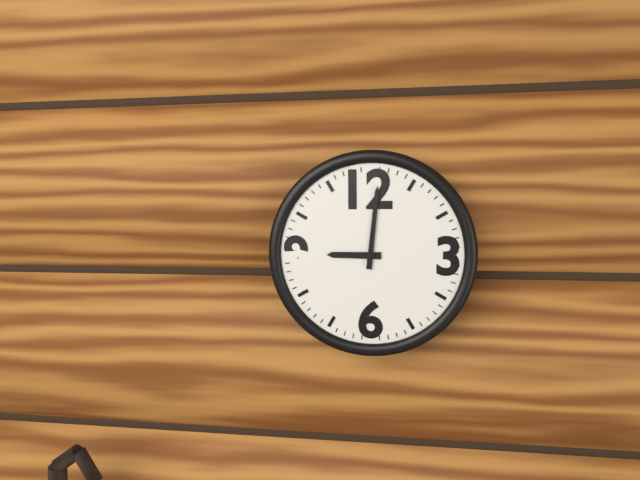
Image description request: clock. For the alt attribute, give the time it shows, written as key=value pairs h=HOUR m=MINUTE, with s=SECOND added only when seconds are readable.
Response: h=9 m=1
